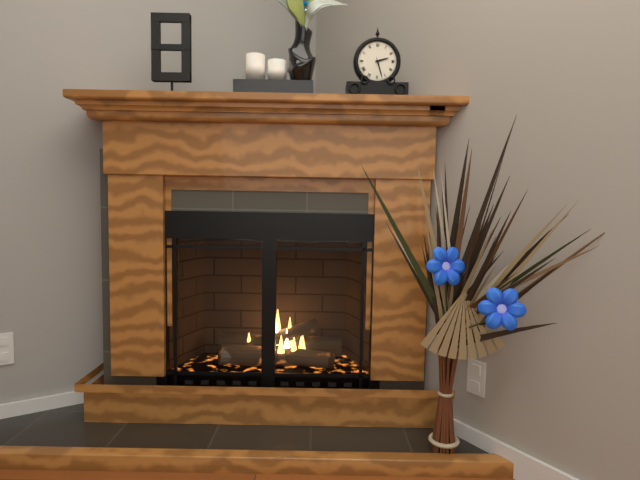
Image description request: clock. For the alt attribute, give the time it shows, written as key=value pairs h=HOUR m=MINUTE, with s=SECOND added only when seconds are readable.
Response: h=2 m=27
